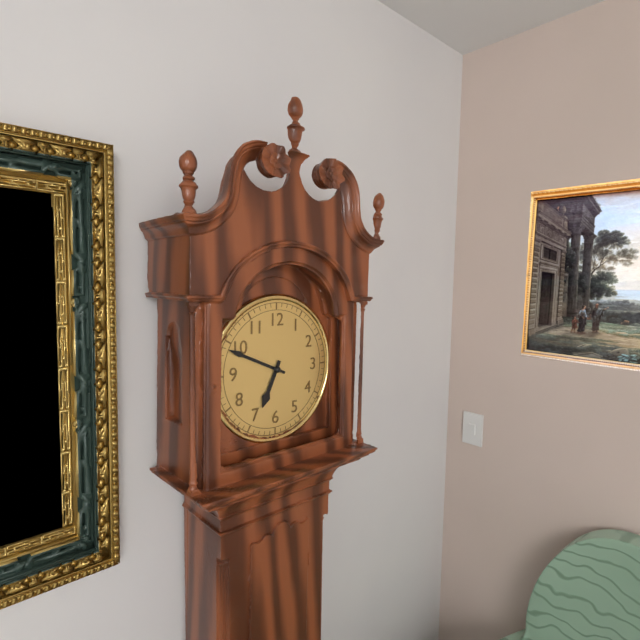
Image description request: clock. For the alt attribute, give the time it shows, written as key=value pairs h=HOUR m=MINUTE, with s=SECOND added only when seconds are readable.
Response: h=6 m=49
